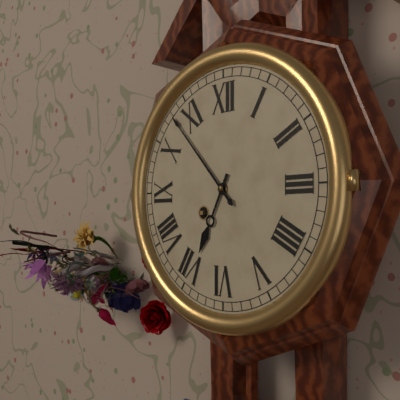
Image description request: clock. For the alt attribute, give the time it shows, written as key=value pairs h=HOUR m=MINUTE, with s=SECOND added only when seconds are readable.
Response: h=6 m=53
